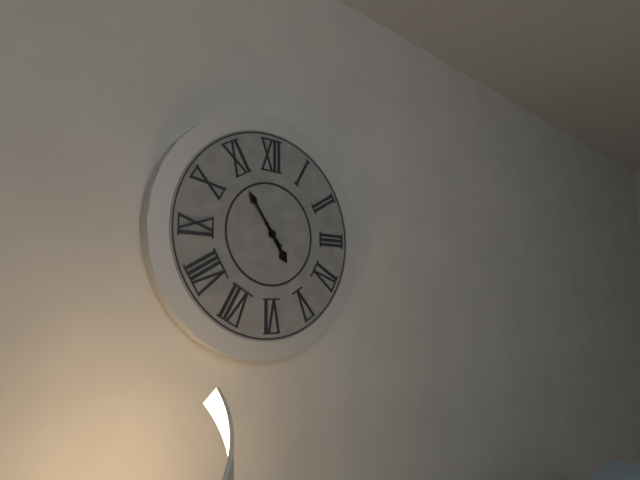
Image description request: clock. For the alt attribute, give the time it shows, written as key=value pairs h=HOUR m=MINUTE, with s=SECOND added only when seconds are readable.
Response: h=4 m=54
